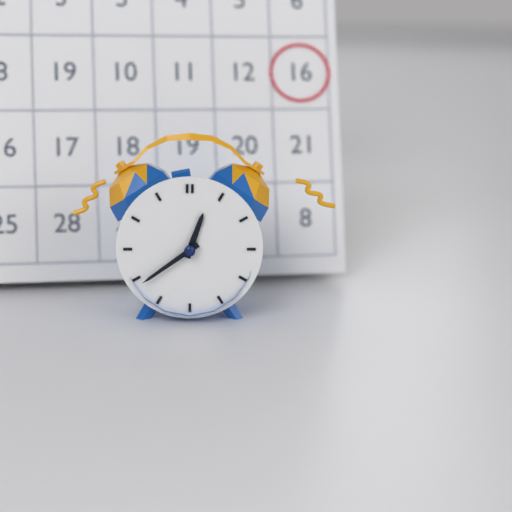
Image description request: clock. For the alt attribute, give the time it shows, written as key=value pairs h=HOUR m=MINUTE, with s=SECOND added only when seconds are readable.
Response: h=12 m=39
